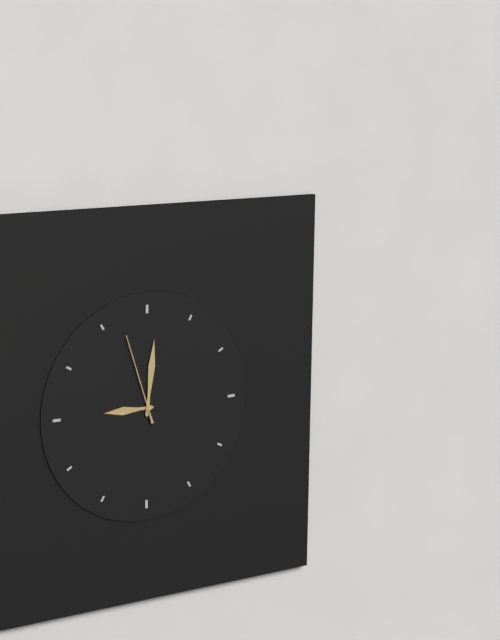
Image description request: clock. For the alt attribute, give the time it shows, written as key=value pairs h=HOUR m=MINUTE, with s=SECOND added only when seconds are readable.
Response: h=9 m=1 s=57
